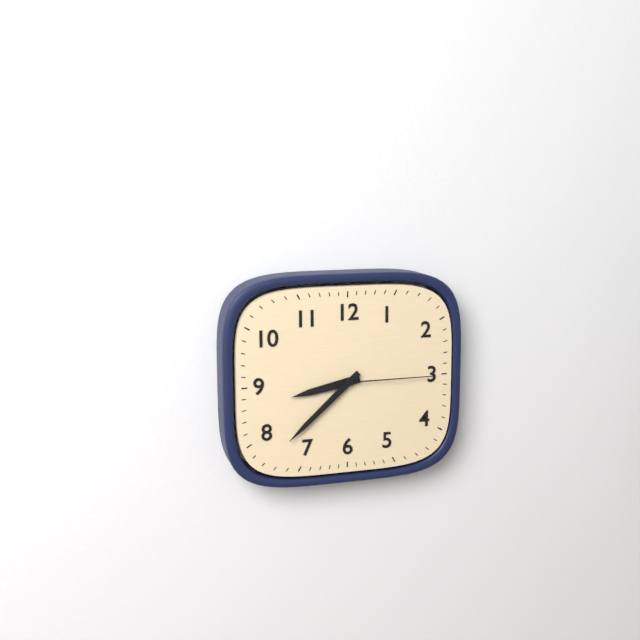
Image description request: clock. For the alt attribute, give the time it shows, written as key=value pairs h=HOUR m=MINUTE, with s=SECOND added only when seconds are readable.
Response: h=8 m=38 s=15
